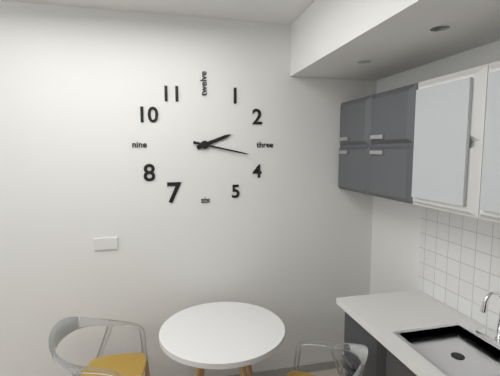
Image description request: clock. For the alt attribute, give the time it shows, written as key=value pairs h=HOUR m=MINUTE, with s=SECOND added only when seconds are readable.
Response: h=2 m=17
